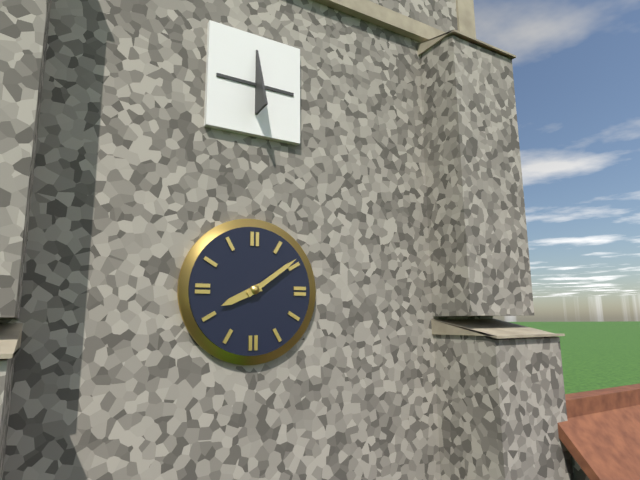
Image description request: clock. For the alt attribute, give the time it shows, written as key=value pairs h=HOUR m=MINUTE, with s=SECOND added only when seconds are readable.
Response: h=8 m=9
